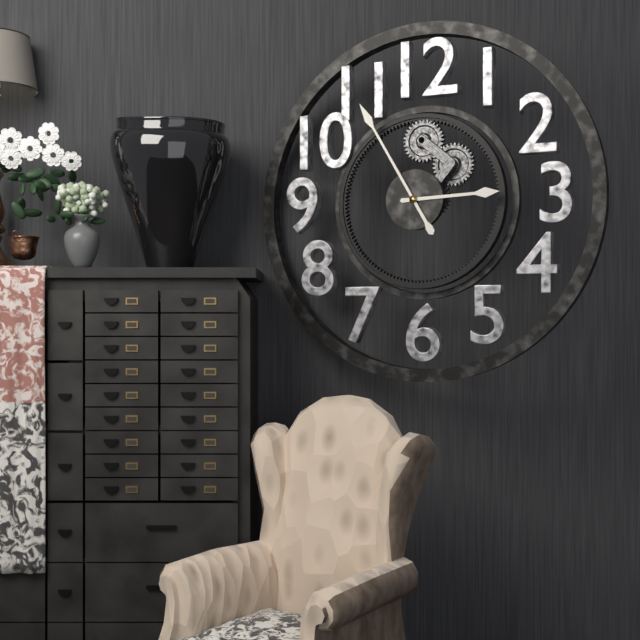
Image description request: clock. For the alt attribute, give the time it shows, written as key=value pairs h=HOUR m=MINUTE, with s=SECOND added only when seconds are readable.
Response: h=2 m=55
